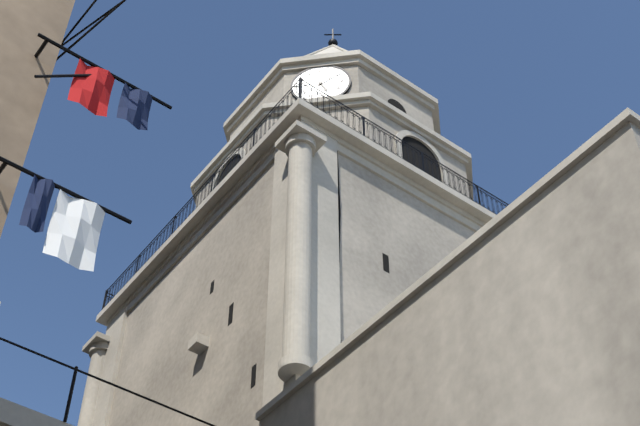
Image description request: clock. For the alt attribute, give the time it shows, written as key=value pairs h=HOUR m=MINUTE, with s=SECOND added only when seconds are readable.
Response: h=5 m=9
